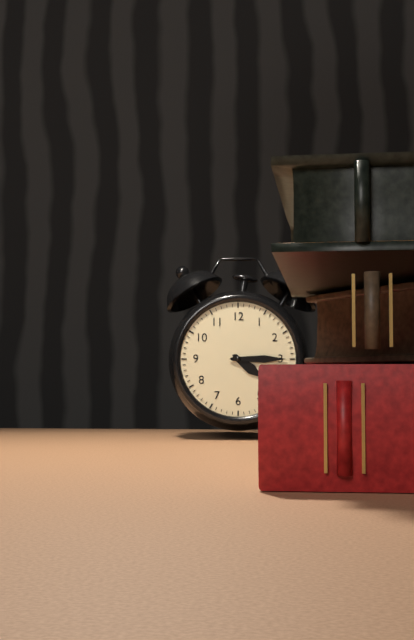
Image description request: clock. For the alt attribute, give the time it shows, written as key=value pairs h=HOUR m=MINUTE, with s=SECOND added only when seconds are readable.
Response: h=4 m=15
